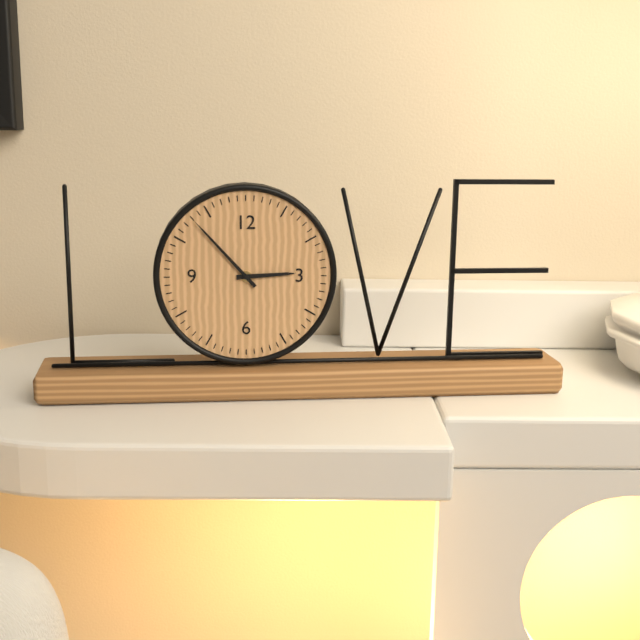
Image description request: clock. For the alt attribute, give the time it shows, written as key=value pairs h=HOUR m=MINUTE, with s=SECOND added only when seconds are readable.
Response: h=2 m=53
